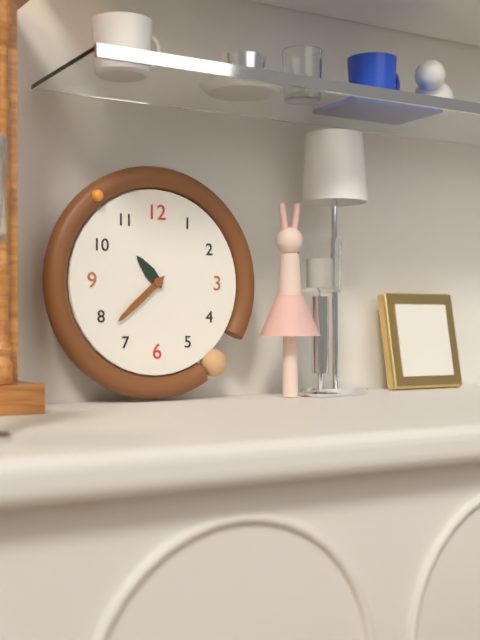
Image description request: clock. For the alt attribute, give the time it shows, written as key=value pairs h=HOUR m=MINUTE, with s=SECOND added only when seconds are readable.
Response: h=10 m=38
